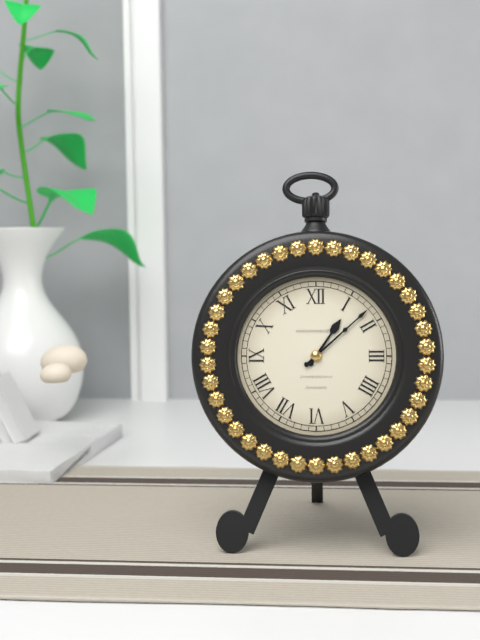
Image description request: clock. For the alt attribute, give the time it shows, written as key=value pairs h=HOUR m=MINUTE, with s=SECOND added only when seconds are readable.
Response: h=1 m=8
